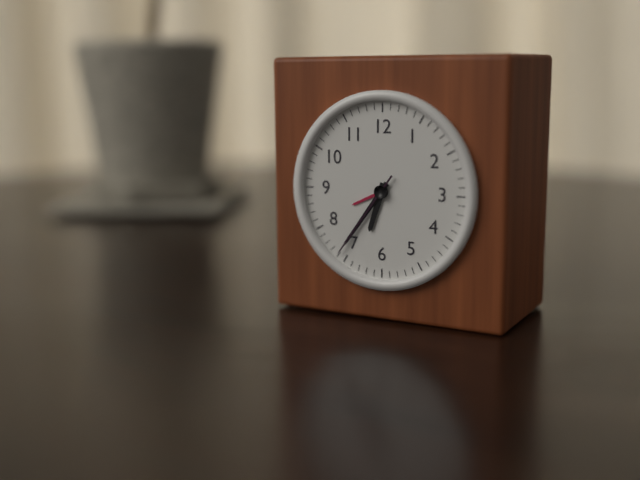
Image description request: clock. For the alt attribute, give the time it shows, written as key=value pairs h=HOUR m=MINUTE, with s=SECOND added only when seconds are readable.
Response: h=6 m=36 s=36
